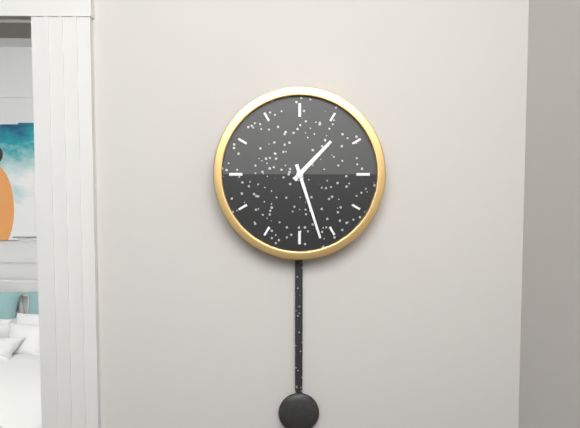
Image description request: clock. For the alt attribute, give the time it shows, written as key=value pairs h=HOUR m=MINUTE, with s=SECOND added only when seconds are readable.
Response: h=1 m=27
